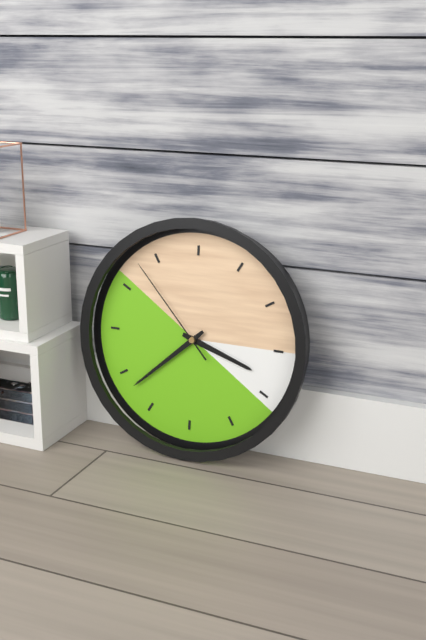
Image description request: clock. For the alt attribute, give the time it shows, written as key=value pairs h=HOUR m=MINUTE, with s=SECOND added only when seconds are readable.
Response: h=3 m=38 s=53
